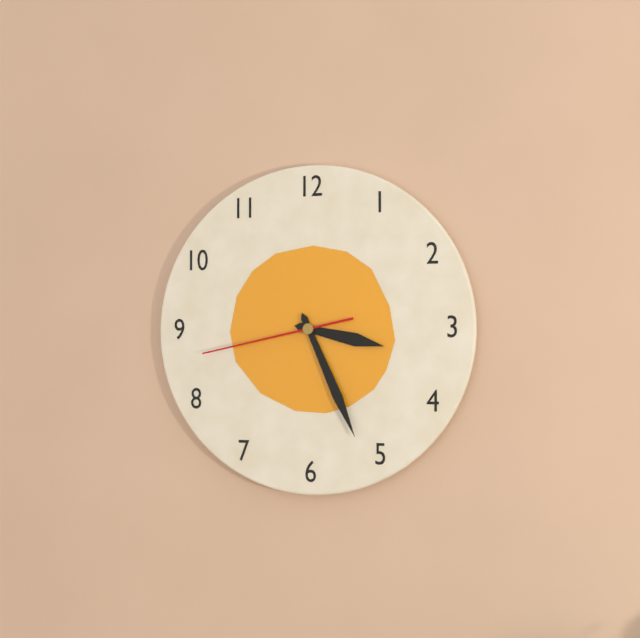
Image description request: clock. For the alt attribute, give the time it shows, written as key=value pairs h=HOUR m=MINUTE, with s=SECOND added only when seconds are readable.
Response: h=3 m=26 s=43
